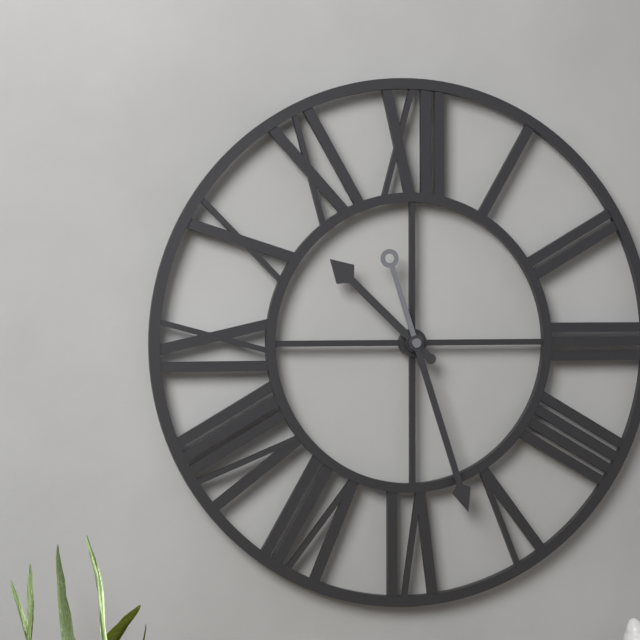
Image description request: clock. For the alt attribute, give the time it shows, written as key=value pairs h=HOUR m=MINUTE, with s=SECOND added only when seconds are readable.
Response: h=10 m=27
